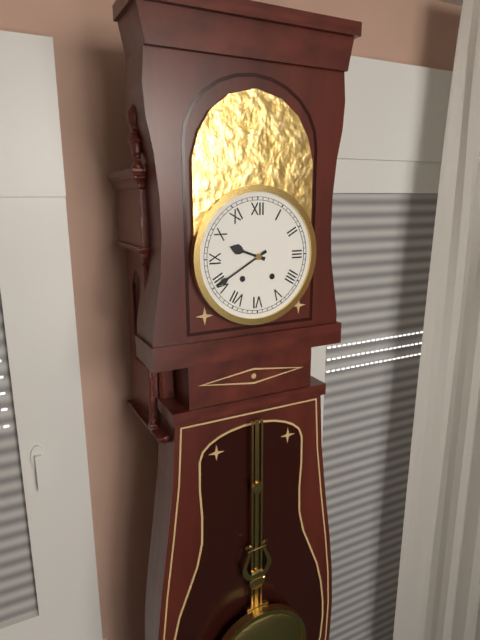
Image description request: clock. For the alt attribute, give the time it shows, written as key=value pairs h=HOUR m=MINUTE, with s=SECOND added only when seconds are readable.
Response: h=9 m=40
